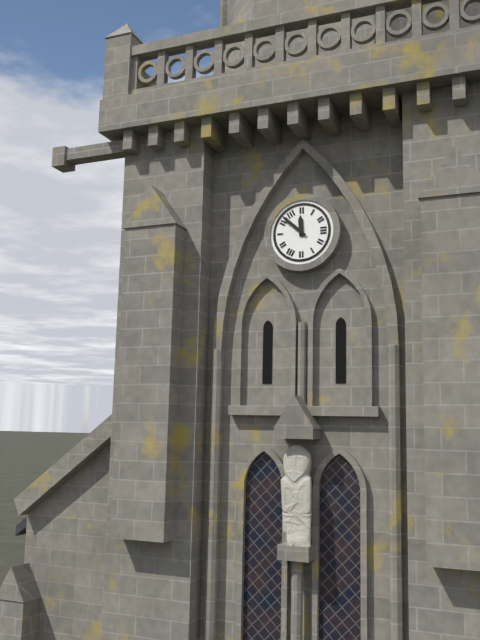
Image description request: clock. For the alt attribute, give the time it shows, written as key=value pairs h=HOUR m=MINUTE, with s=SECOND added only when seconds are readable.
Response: h=11 m=52
